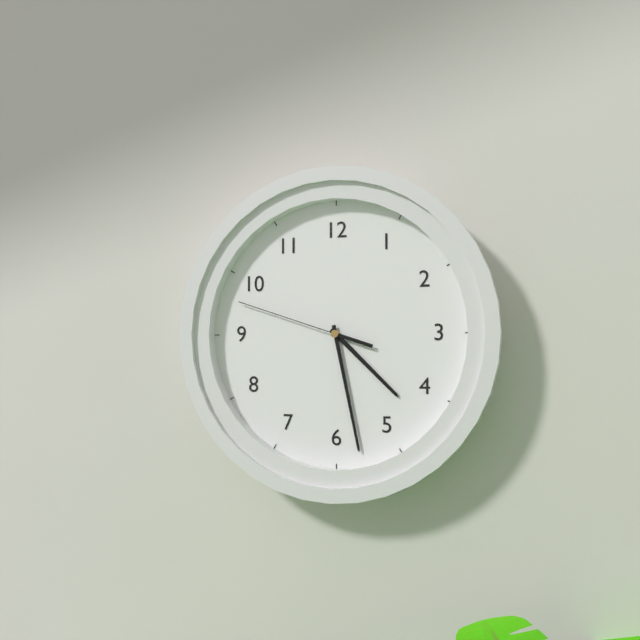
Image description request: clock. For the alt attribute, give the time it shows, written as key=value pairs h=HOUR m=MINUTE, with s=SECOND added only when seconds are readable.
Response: h=4 m=28 s=48
